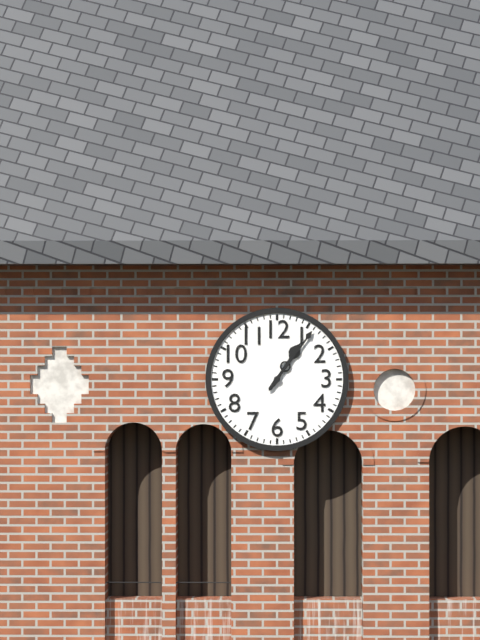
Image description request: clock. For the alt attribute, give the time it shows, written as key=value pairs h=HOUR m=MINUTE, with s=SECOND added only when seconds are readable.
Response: h=1 m=6
